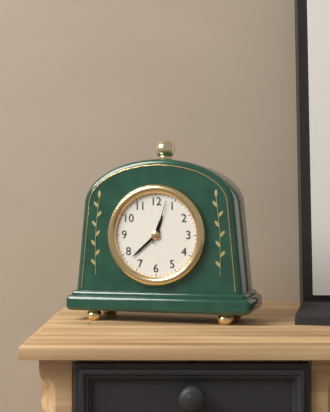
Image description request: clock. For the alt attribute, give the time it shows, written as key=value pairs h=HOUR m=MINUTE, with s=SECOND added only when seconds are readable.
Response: h=12 m=38
